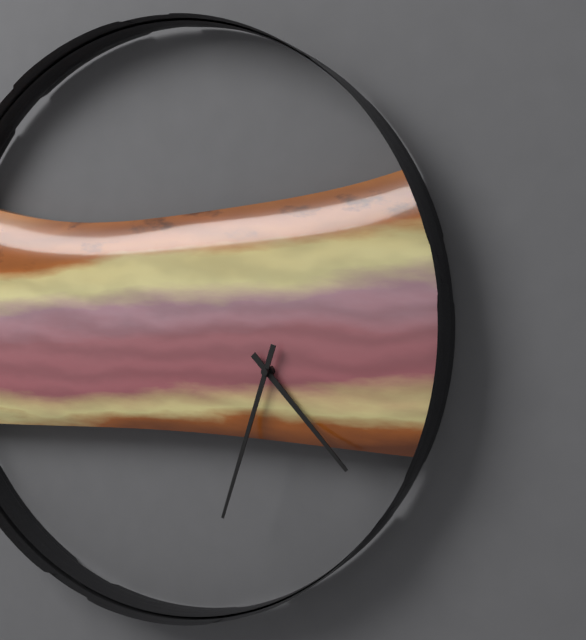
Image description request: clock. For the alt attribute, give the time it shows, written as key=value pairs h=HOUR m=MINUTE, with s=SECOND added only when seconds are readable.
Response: h=4 m=33
